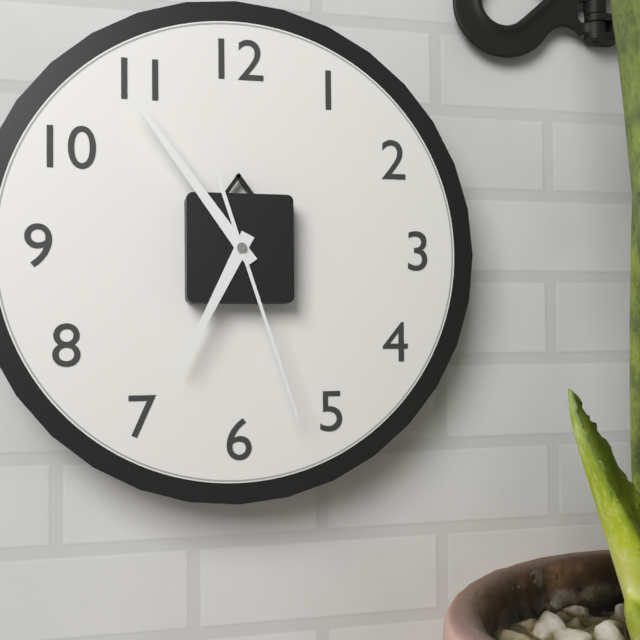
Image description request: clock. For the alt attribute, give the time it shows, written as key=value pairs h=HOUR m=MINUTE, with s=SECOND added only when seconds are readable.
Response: h=6 m=54 s=27
